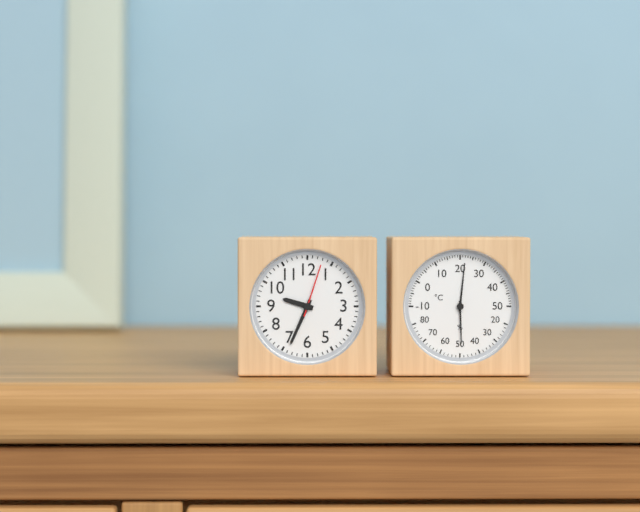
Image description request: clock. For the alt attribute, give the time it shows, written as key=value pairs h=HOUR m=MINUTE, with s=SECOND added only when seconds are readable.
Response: h=9 m=34 s=3
